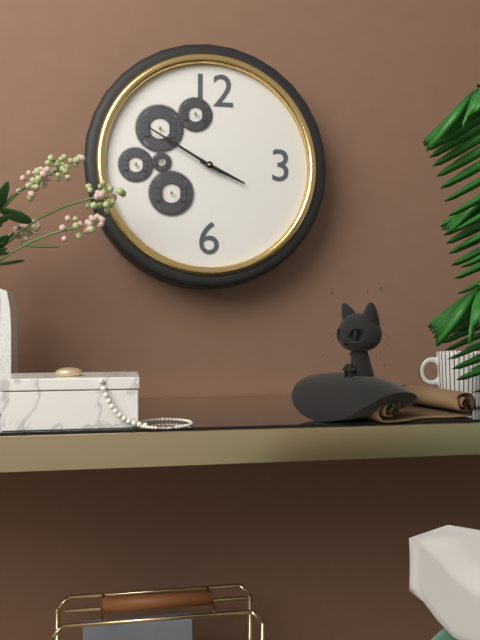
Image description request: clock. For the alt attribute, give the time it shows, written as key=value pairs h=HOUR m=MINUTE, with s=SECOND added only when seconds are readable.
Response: h=3 m=50
